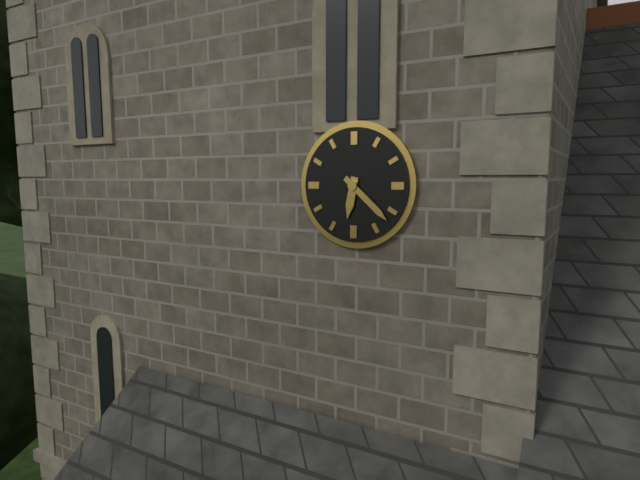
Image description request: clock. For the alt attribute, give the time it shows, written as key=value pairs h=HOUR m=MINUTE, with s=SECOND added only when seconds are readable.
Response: h=6 m=22
